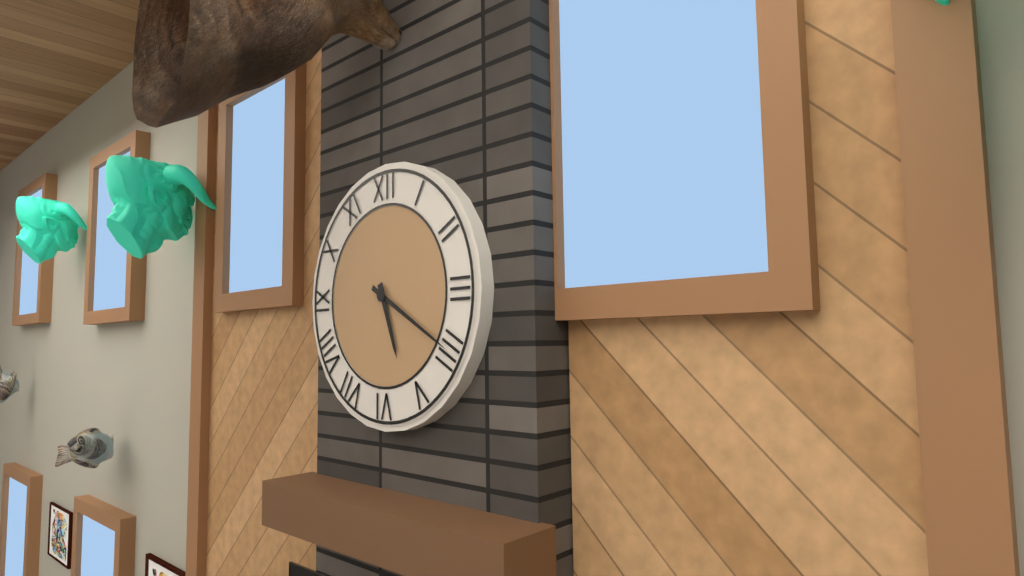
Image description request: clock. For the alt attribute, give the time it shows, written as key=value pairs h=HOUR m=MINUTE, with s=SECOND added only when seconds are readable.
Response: h=5 m=20
